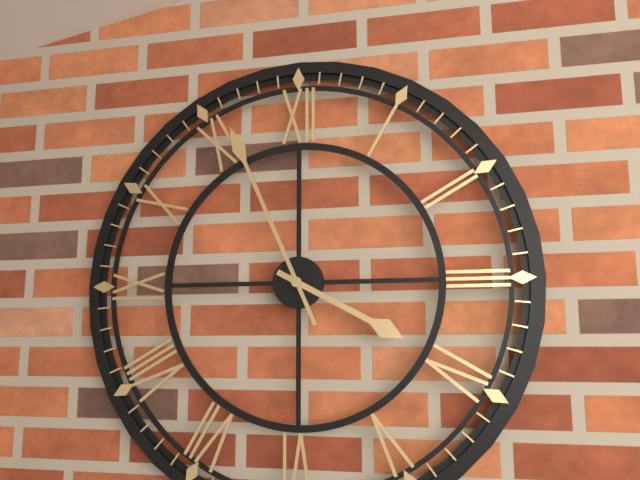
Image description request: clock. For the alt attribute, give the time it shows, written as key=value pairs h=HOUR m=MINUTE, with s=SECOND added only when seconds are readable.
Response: h=3 m=56
